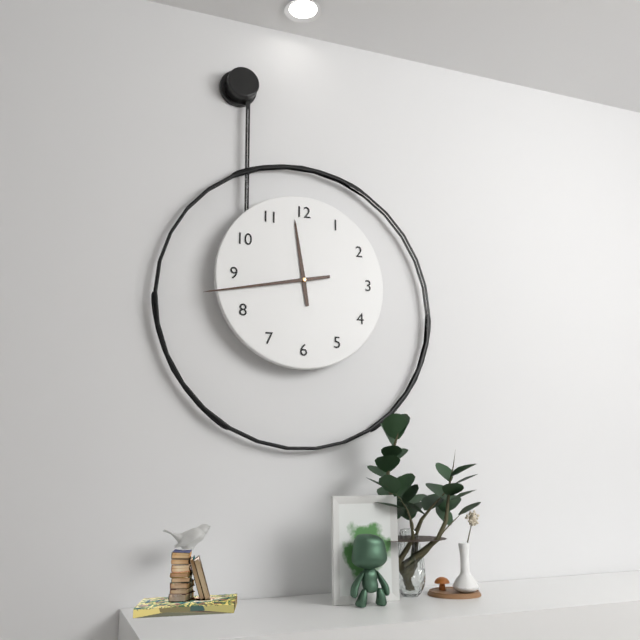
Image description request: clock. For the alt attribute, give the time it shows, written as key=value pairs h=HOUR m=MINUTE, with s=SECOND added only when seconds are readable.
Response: h=11 m=43
